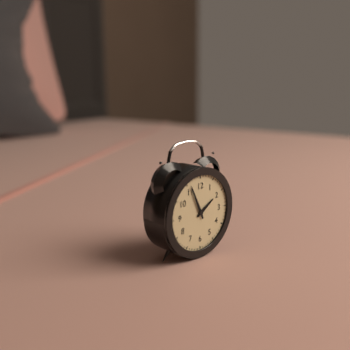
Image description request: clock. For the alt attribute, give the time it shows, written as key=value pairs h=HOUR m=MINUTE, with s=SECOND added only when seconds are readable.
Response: h=1 m=56
